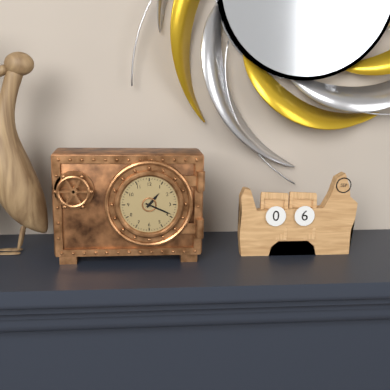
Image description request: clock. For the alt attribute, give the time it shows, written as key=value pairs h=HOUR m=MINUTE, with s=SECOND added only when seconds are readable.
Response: h=1 m=19
